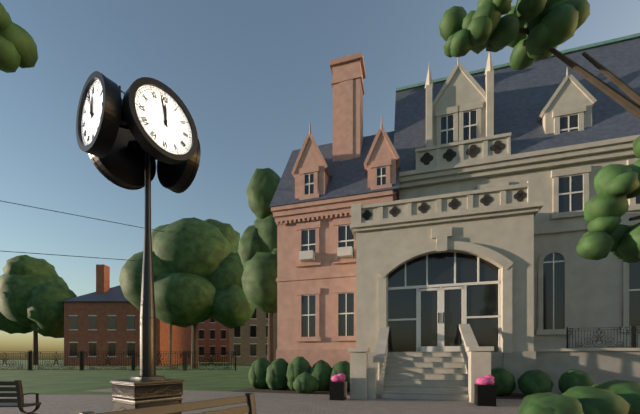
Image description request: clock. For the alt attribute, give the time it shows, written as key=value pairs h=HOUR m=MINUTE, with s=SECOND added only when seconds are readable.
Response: h=11 m=58
